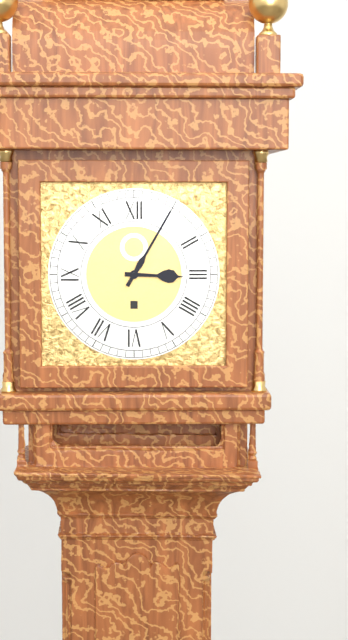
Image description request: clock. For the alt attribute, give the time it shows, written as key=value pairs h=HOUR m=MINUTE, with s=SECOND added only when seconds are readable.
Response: h=3 m=5
